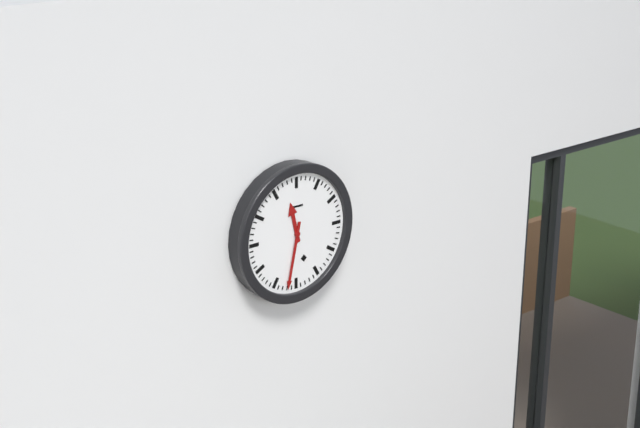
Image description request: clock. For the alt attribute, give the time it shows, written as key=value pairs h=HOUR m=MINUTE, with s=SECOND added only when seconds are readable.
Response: h=11 m=32
